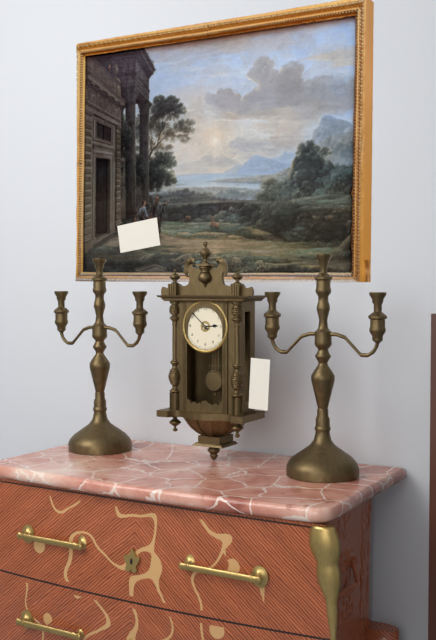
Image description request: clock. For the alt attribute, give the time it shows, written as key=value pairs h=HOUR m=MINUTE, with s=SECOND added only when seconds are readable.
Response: h=2 m=52
